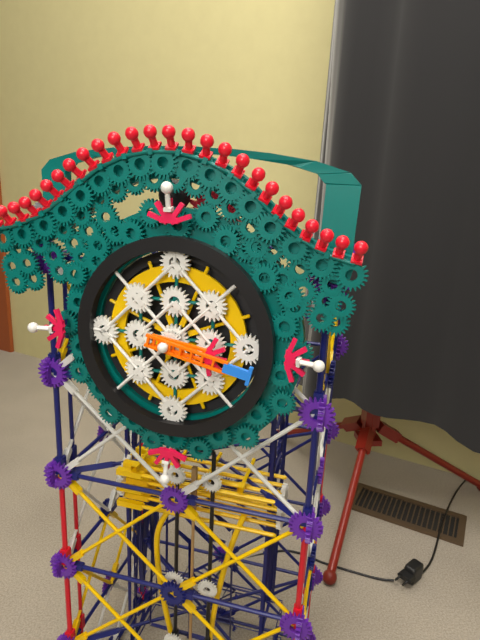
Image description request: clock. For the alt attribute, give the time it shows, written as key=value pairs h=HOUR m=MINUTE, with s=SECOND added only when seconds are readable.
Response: h=3 m=17
